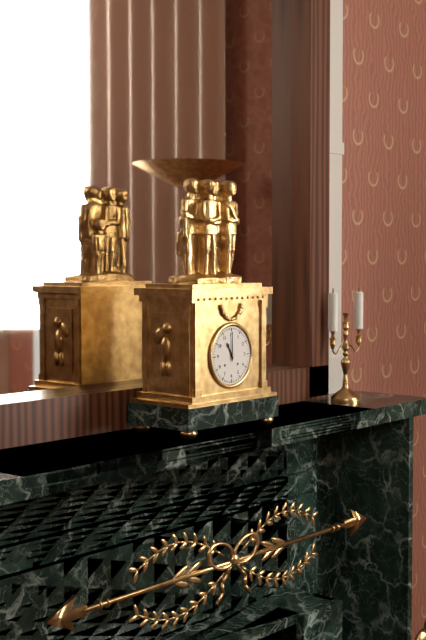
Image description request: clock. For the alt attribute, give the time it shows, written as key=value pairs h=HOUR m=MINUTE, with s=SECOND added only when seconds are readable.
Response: h=11 m=0
